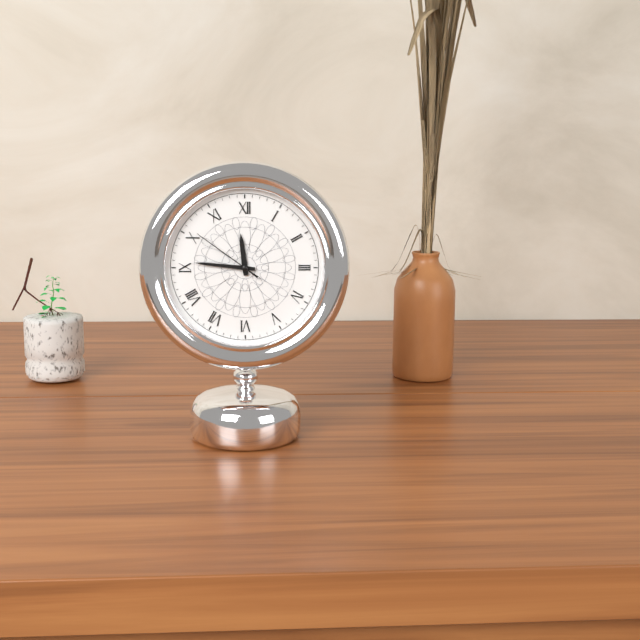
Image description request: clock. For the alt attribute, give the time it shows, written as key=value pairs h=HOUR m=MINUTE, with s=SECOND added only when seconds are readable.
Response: h=11 m=46 s=51
